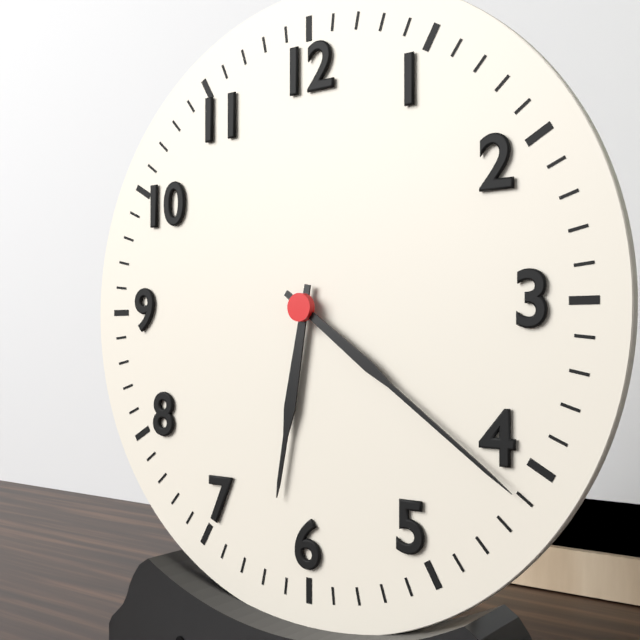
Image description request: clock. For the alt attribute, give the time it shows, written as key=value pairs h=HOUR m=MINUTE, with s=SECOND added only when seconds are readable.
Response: h=6 m=21
